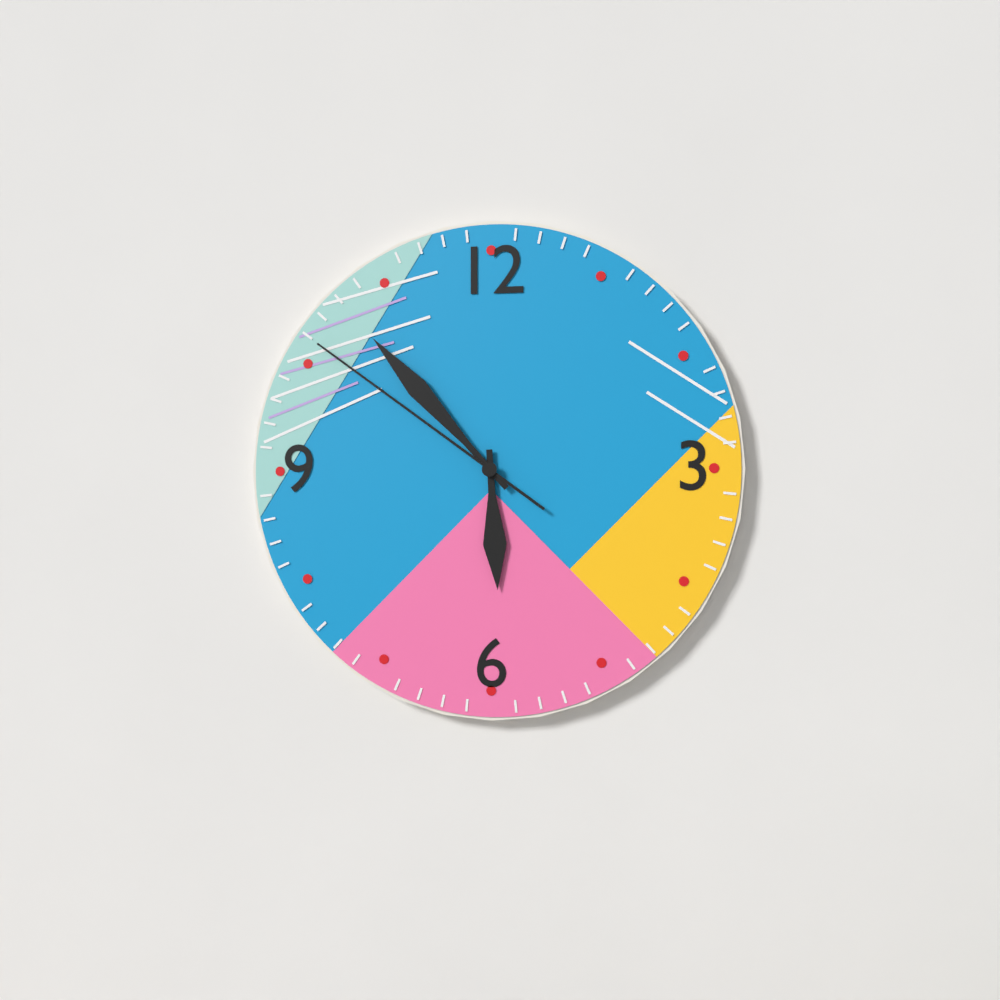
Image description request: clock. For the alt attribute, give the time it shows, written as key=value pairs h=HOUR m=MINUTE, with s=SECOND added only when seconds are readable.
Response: h=5 m=53 s=51
